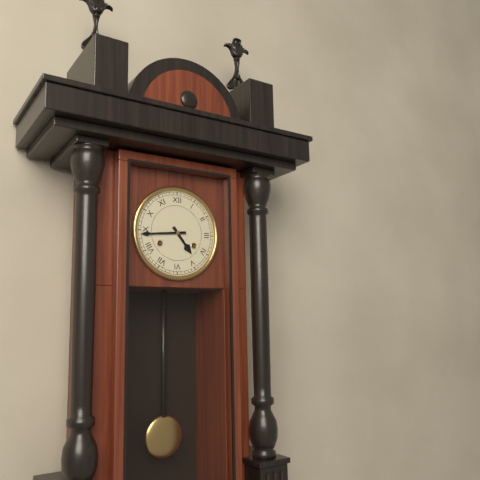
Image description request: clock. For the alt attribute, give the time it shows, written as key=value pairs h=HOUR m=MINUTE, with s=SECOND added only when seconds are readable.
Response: h=4 m=44
